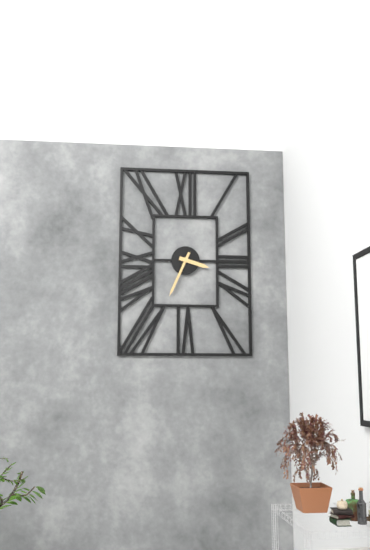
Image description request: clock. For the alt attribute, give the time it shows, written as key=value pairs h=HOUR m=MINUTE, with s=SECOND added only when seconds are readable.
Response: h=3 m=34
